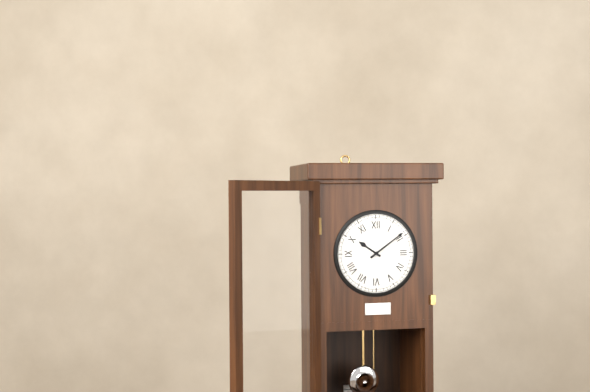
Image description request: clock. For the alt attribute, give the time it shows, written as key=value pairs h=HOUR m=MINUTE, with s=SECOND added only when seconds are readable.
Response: h=10 m=9
